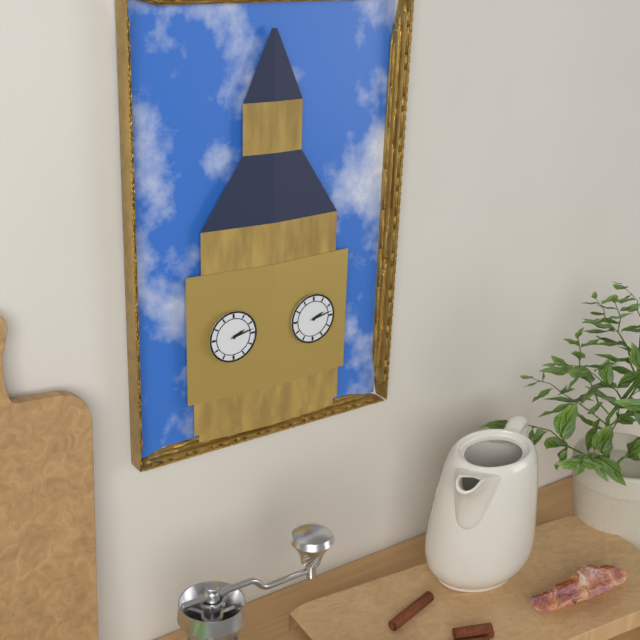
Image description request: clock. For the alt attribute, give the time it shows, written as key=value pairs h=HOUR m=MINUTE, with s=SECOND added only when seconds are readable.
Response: h=2 m=13
